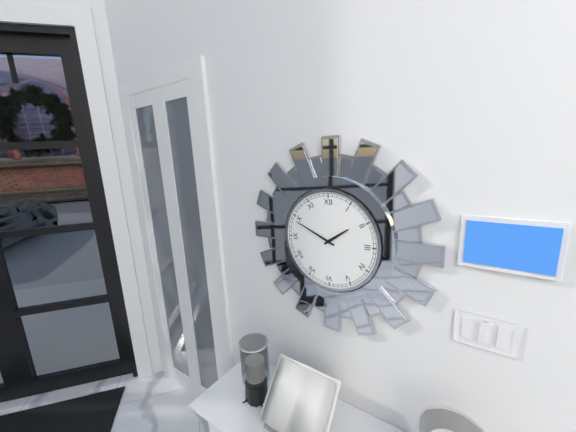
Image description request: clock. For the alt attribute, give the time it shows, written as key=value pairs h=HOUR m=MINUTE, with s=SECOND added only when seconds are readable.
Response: h=1 m=49
